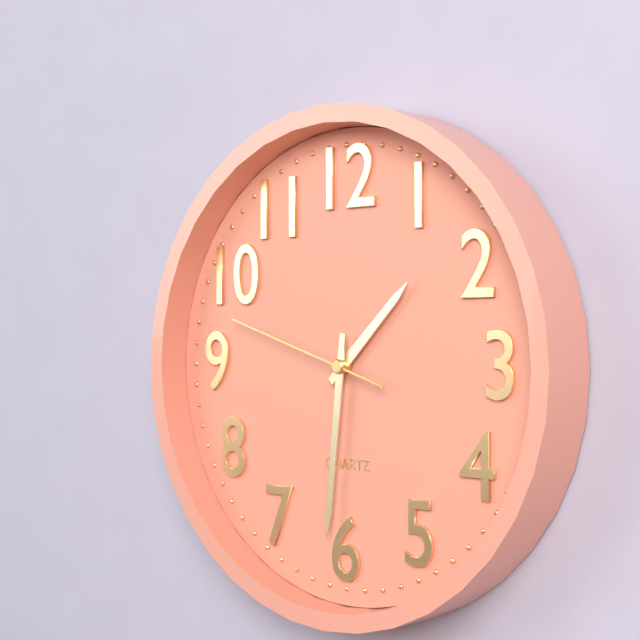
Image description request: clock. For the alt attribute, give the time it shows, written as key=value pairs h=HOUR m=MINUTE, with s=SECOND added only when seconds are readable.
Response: h=1 m=31 s=48
